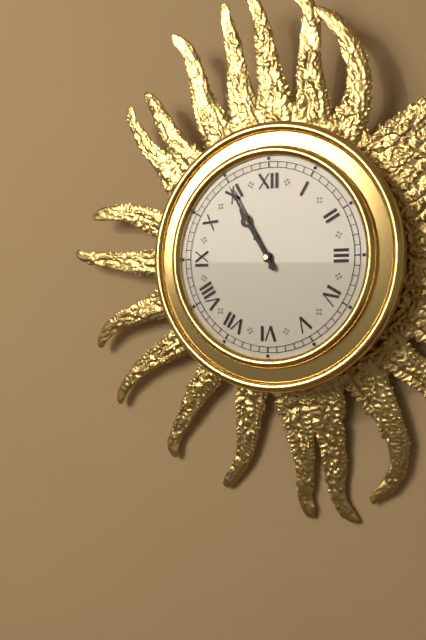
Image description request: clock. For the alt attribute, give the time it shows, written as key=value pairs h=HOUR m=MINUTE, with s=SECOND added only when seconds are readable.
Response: h=10 m=55
